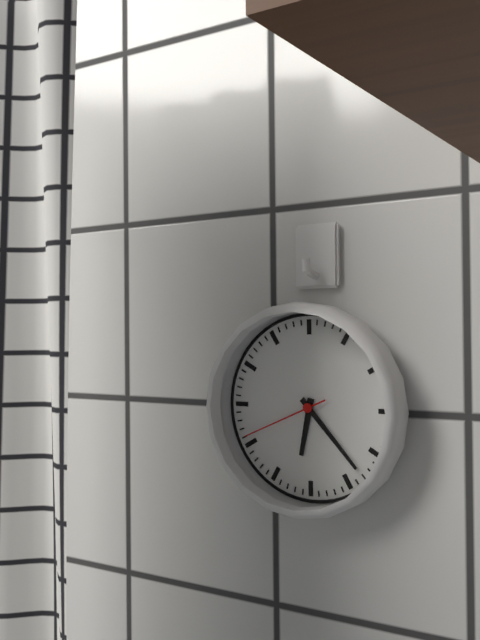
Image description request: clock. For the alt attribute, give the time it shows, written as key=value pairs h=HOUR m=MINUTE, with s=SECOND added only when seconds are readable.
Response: h=6 m=23 s=41
